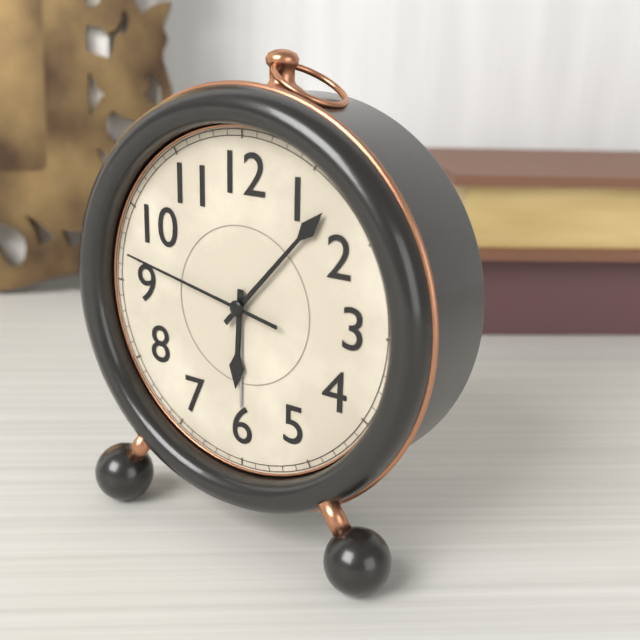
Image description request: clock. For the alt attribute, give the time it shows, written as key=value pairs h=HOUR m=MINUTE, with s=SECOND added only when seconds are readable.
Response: h=6 m=7 s=47
